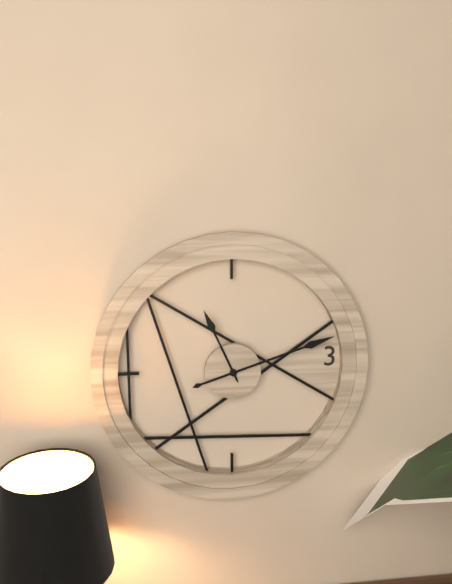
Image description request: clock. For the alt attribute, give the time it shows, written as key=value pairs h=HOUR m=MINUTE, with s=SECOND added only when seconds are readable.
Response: h=11 m=12
